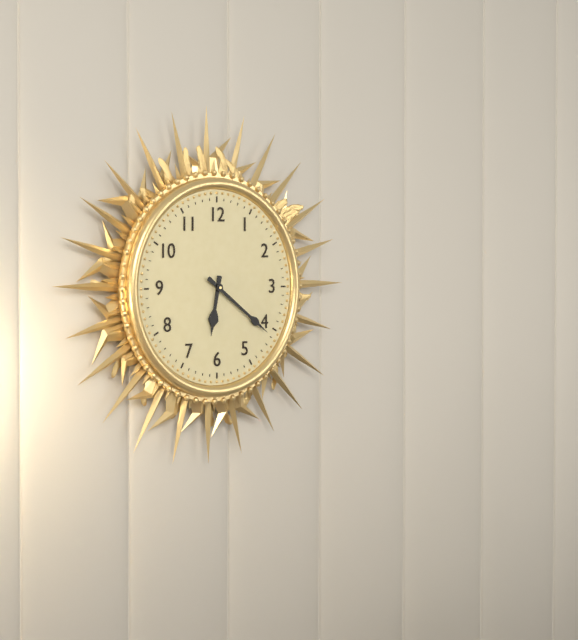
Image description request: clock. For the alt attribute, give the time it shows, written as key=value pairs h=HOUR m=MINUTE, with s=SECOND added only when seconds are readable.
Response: h=6 m=21
